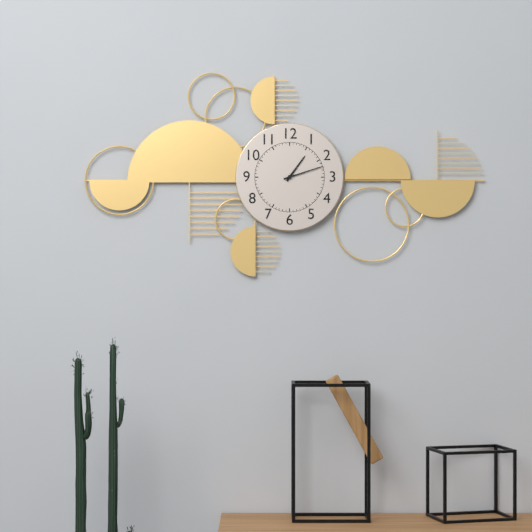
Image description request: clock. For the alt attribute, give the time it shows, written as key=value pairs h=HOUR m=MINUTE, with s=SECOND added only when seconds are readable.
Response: h=1 m=12
